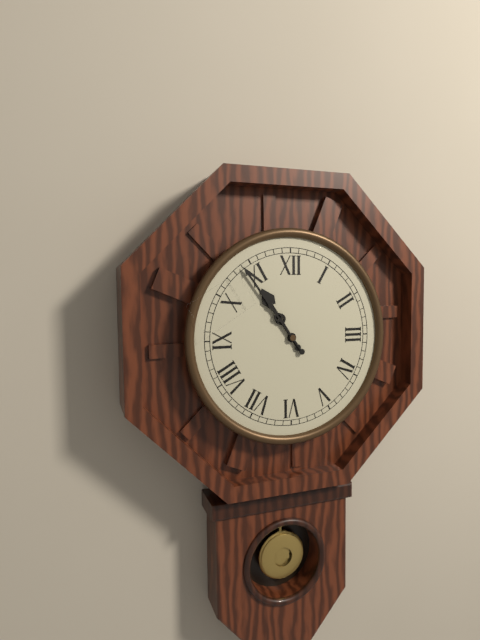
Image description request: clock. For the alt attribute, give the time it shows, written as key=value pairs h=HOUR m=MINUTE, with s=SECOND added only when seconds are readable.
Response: h=10 m=54
